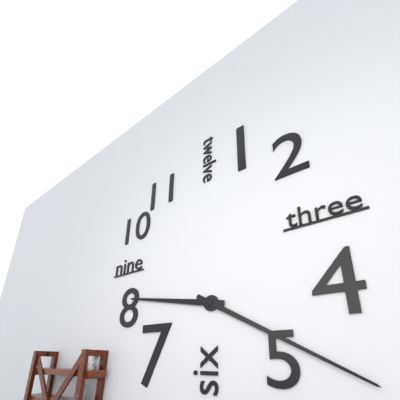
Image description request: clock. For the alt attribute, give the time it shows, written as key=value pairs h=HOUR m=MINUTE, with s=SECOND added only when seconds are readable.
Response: h=9 m=20
